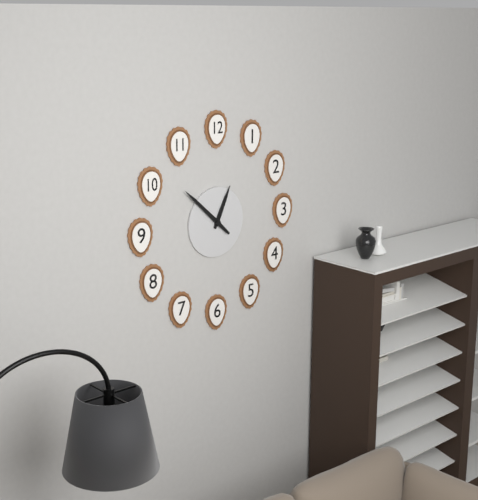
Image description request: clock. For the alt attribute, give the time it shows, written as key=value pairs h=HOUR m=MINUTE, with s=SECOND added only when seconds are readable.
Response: h=12 m=52
